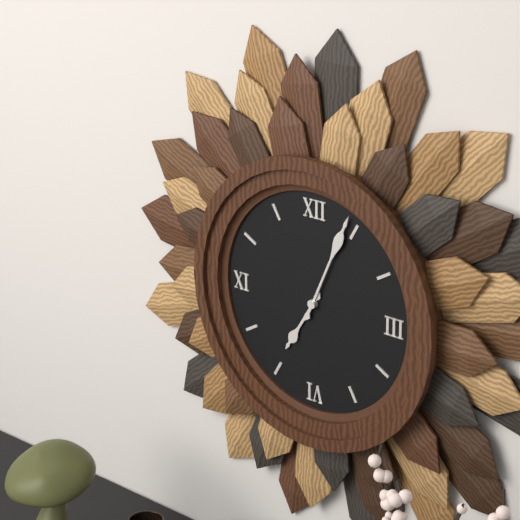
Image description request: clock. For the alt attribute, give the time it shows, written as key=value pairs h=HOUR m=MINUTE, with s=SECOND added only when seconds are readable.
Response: h=7 m=4
